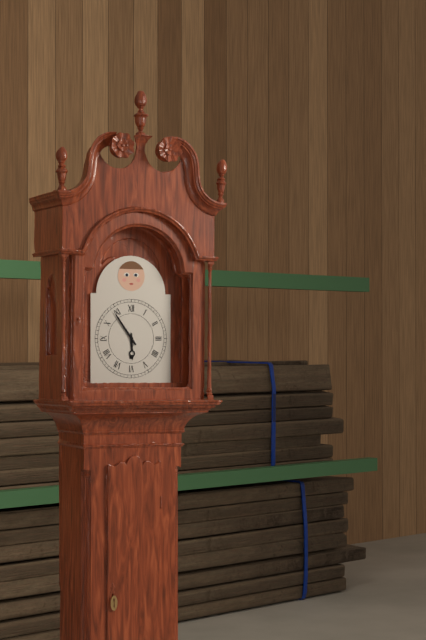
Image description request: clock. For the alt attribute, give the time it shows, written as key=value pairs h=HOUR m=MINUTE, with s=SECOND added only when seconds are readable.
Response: h=5 m=54
